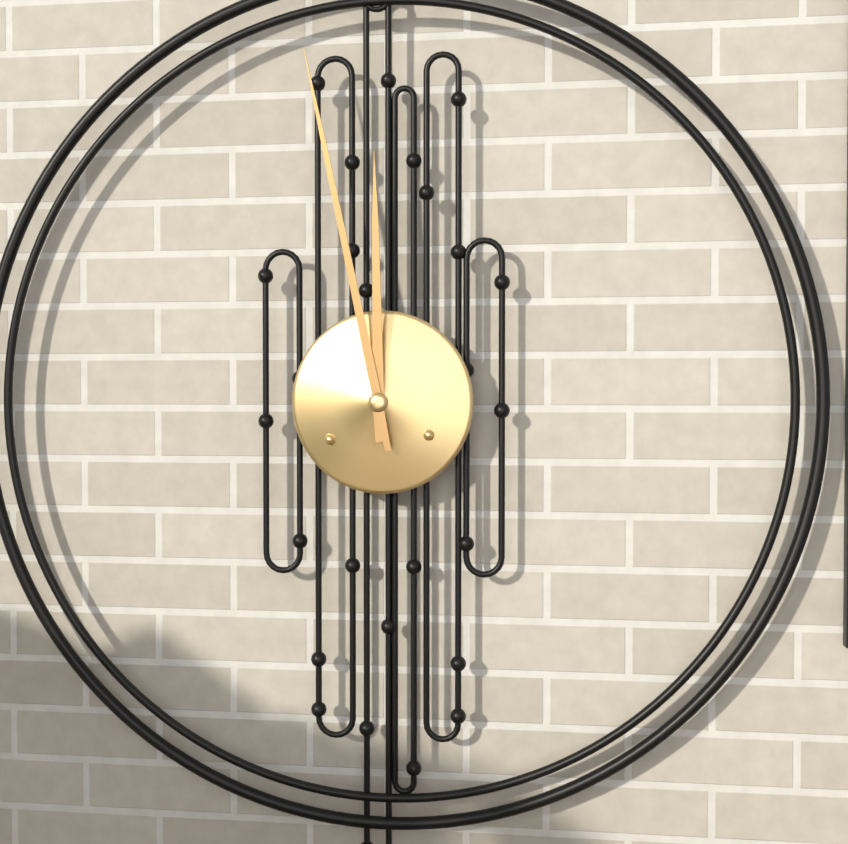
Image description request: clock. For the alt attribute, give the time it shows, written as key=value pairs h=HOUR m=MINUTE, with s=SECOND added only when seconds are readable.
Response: h=11 m=58
